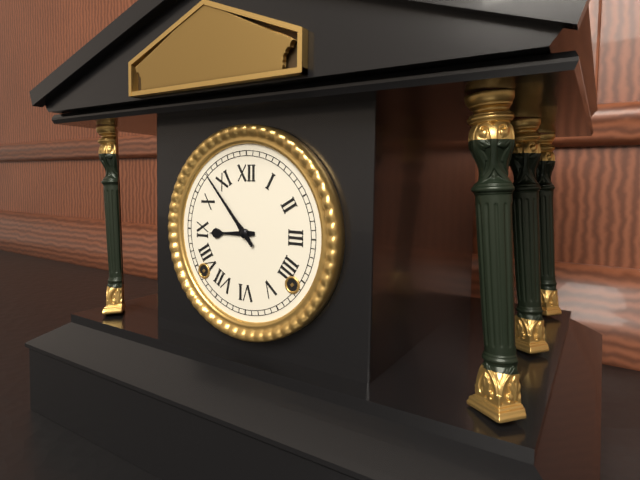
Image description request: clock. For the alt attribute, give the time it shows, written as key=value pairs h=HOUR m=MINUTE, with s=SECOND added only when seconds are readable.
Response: h=8 m=53
